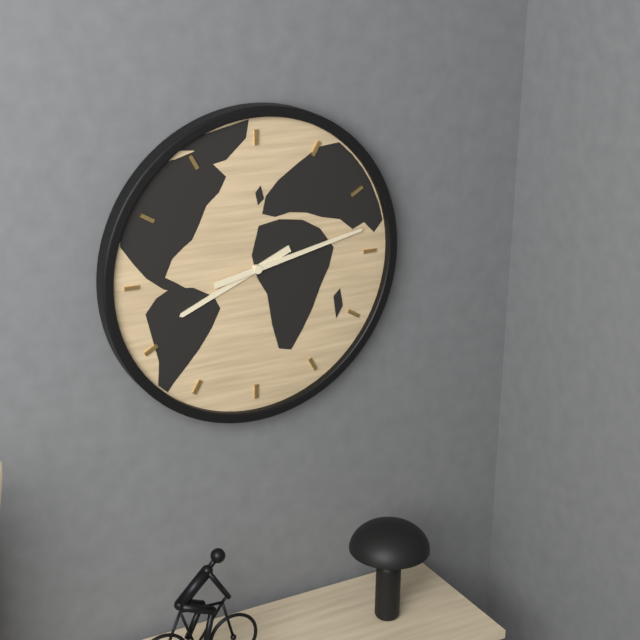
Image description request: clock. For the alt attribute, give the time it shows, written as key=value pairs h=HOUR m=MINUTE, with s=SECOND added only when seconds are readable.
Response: h=8 m=13
